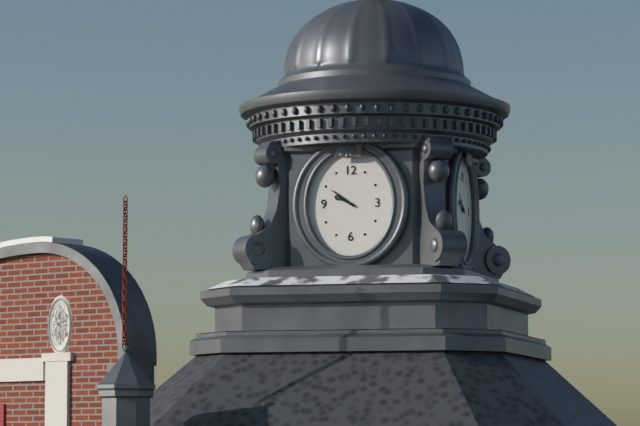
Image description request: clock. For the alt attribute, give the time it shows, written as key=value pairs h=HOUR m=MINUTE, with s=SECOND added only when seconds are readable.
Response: h=9 m=51
